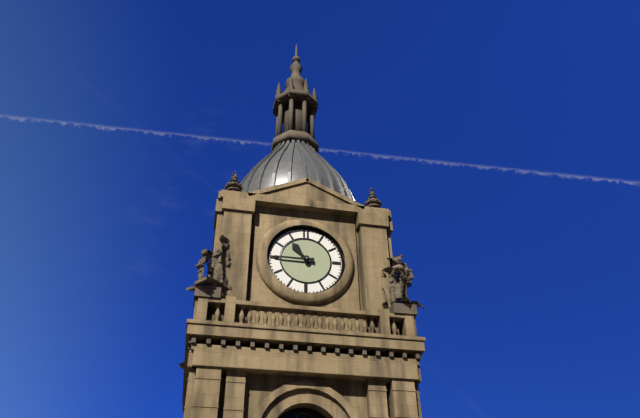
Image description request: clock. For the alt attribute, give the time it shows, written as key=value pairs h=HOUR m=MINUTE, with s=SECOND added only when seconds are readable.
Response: h=10 m=45
